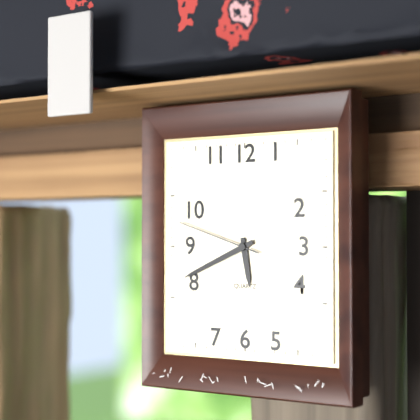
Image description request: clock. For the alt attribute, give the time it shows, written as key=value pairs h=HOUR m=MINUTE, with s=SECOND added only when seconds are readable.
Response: h=5 m=41 s=48
